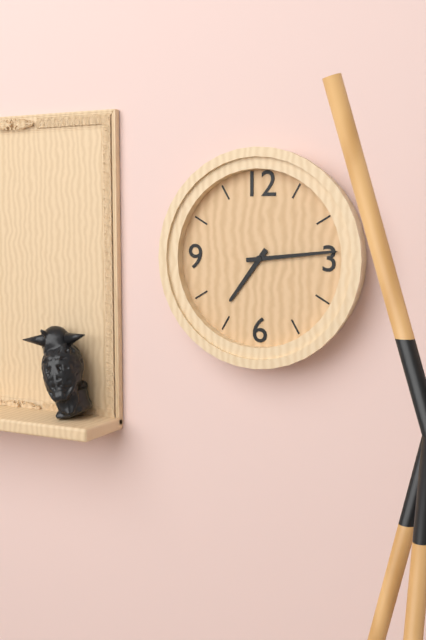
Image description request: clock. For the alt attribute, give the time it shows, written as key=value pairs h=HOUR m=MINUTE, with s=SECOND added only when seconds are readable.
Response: h=7 m=14
